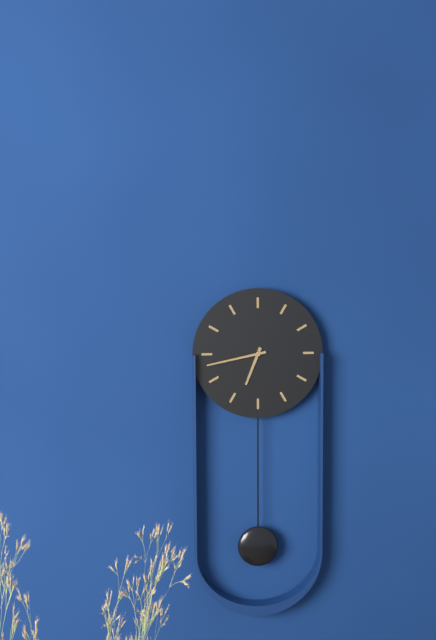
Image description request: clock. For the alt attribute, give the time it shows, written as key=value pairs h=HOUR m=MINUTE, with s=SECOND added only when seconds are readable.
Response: h=6 m=43
